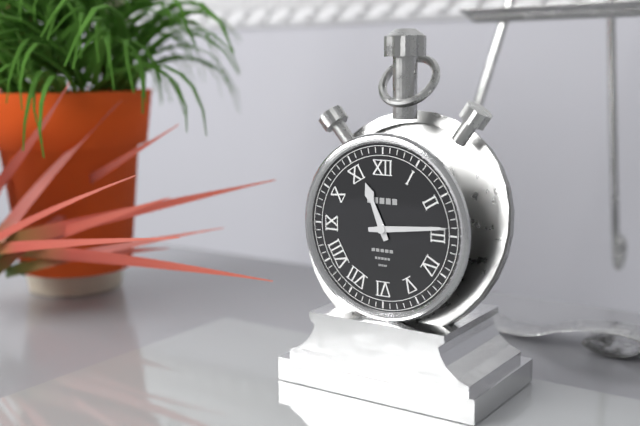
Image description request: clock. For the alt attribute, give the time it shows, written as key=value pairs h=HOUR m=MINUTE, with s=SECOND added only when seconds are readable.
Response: h=11 m=14
